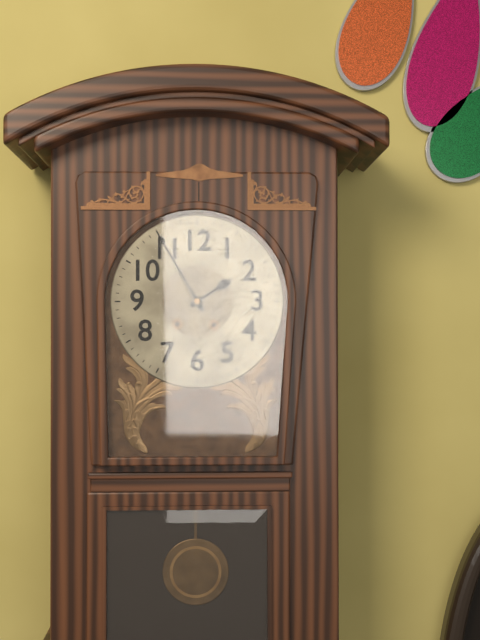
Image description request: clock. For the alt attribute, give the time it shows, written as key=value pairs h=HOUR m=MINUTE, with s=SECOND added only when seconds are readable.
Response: h=1 m=55
